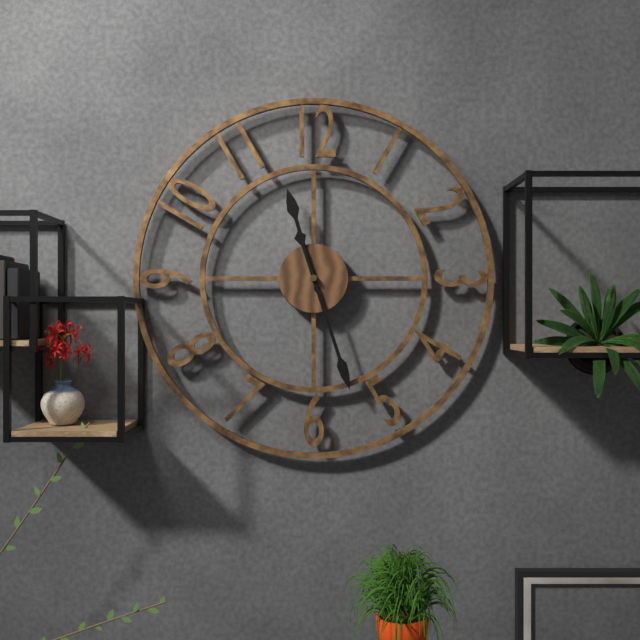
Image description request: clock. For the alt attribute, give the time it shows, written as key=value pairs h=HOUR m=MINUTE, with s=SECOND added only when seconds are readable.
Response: h=11 m=27
